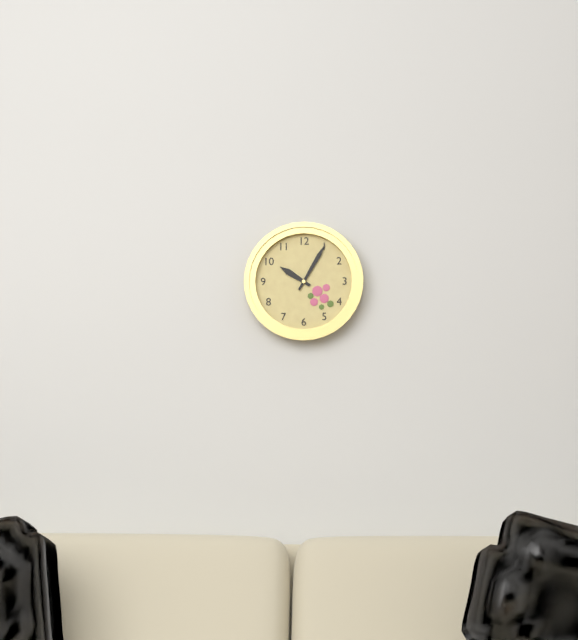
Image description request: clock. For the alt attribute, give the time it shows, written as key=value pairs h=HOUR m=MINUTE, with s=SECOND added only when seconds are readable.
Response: h=10 m=5
